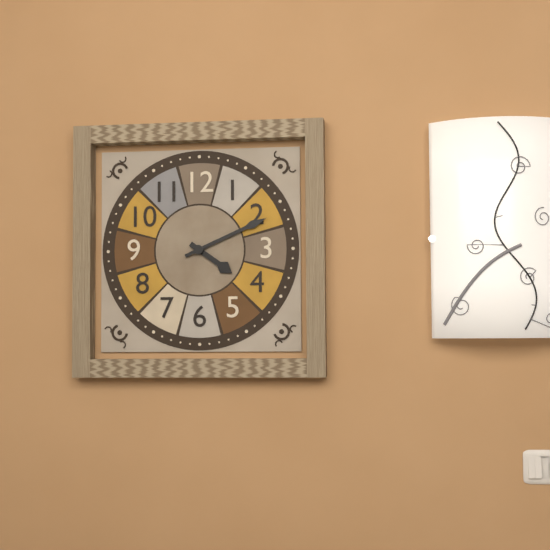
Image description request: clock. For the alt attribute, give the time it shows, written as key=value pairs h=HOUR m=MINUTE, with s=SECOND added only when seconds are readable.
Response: h=4 m=11
